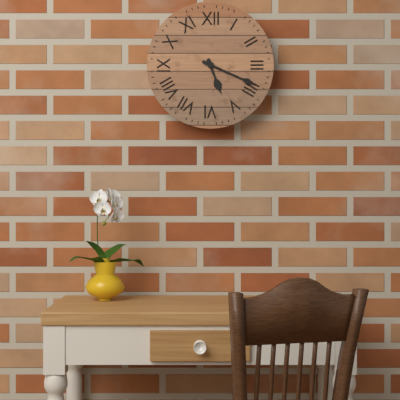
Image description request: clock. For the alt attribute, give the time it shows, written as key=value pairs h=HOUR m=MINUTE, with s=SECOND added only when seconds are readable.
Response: h=5 m=19
